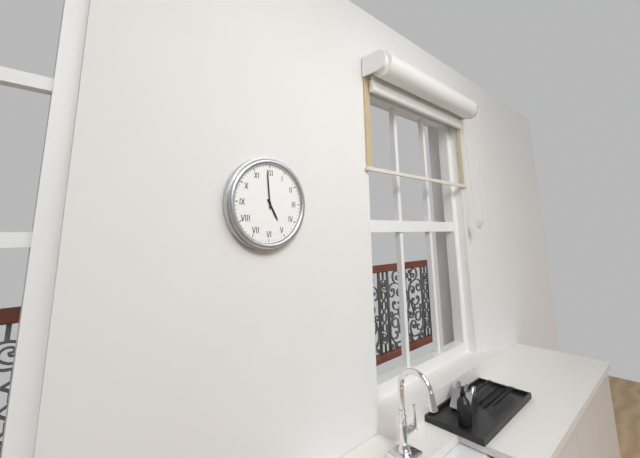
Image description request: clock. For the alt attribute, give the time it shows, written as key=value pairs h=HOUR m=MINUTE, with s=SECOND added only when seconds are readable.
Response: h=4 m=59
